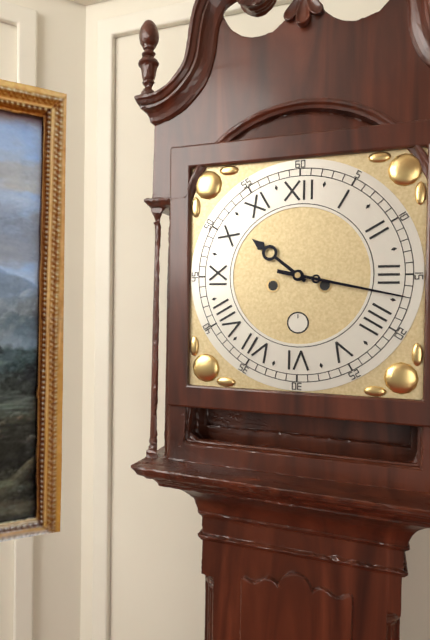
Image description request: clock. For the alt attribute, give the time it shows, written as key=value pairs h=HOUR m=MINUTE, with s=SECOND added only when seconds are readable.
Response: h=10 m=17
